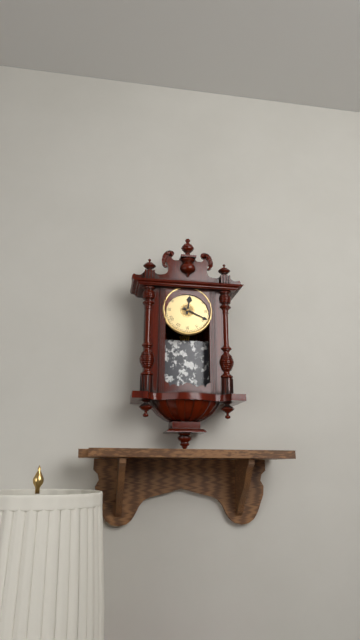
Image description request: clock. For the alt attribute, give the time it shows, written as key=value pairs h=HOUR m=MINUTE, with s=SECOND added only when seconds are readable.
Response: h=12 m=19
